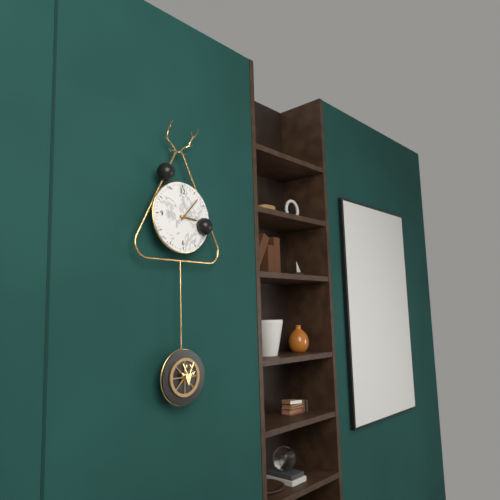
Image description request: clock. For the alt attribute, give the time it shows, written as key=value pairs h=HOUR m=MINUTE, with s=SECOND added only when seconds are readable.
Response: h=3 m=7
